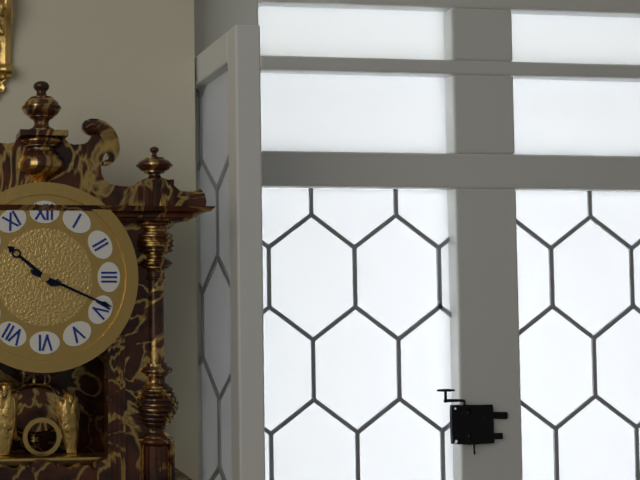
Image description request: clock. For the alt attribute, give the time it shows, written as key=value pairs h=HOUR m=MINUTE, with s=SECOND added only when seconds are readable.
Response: h=10 m=19
